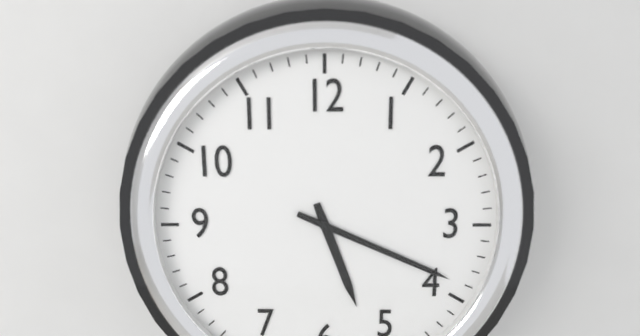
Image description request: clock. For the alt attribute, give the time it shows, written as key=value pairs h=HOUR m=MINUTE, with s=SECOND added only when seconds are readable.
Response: h=5 m=19
